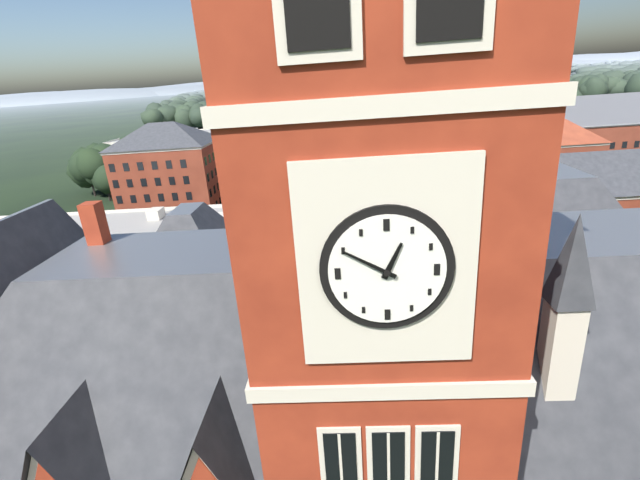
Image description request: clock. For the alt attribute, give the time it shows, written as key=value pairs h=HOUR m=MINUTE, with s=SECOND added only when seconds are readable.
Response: h=12 m=50
